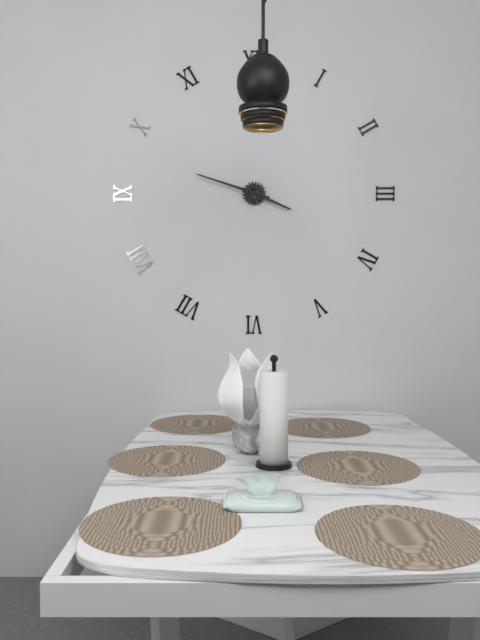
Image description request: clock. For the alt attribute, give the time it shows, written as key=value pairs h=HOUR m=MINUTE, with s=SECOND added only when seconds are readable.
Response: h=3 m=48
